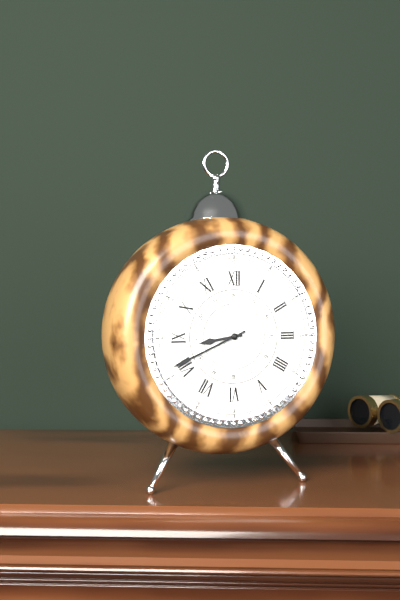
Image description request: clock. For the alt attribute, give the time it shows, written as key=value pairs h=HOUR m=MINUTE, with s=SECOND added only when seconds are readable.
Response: h=8 m=41
